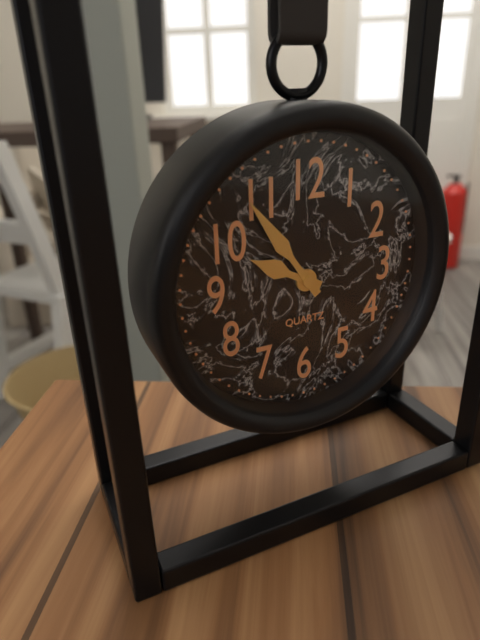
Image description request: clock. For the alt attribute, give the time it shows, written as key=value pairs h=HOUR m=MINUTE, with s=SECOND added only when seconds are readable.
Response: h=9 m=54
